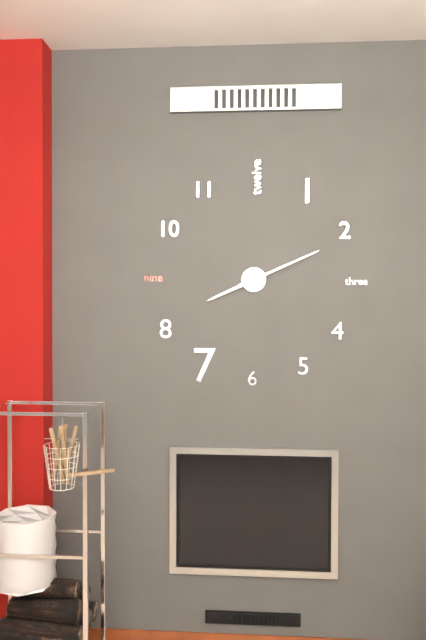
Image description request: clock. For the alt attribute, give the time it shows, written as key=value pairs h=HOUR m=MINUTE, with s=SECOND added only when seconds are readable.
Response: h=8 m=11
